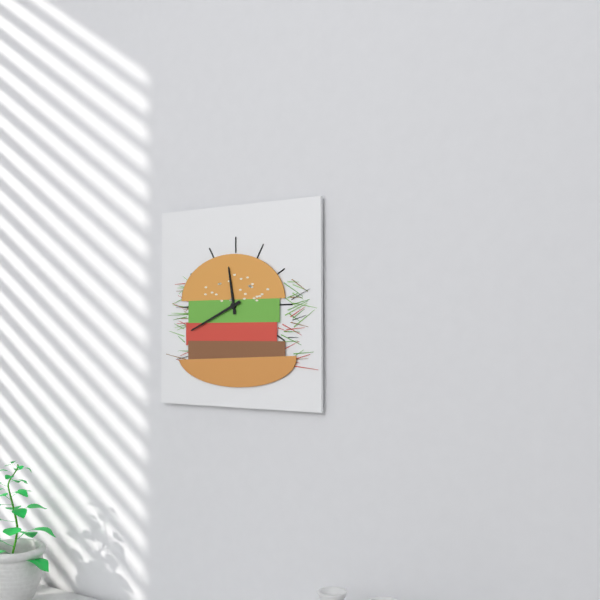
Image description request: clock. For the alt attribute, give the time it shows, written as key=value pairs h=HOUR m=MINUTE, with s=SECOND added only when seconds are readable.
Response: h=11 m=41
